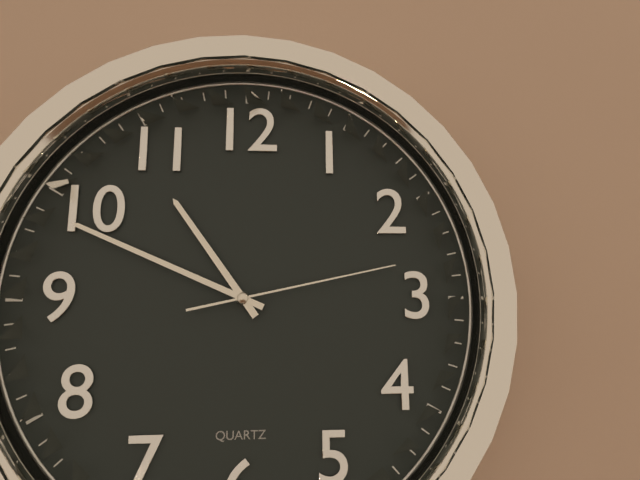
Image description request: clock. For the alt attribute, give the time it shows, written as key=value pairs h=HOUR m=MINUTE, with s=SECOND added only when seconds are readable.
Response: h=10 m=49 s=13
